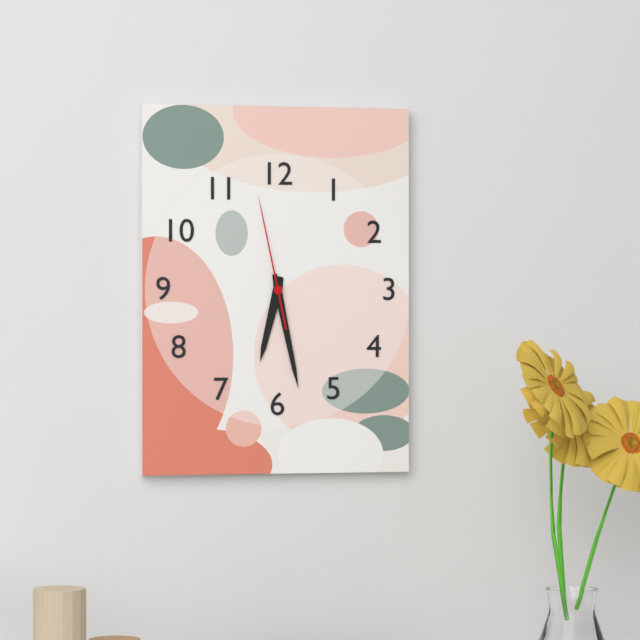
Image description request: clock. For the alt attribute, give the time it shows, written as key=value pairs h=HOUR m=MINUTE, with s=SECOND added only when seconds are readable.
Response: h=6 m=28 s=58
